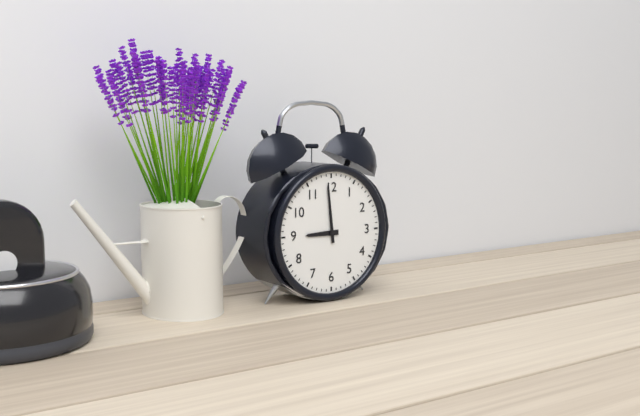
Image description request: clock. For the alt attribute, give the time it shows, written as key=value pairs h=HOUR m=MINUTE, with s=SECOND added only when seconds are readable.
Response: h=8 m=59
